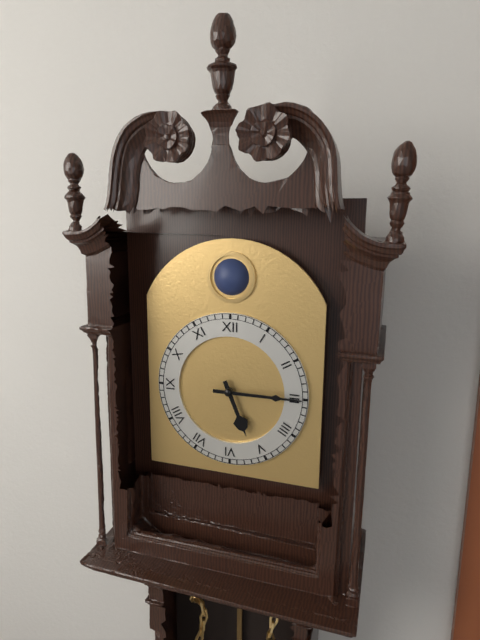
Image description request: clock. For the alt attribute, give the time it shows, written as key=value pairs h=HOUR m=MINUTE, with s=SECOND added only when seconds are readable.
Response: h=5 m=15
